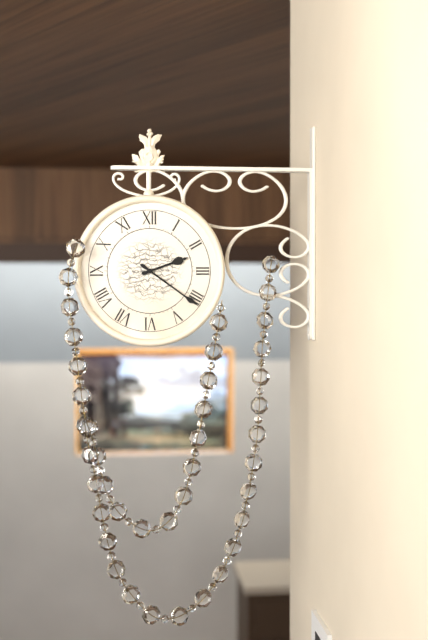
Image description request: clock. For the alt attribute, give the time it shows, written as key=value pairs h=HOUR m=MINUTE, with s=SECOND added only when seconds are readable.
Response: h=2 m=21
